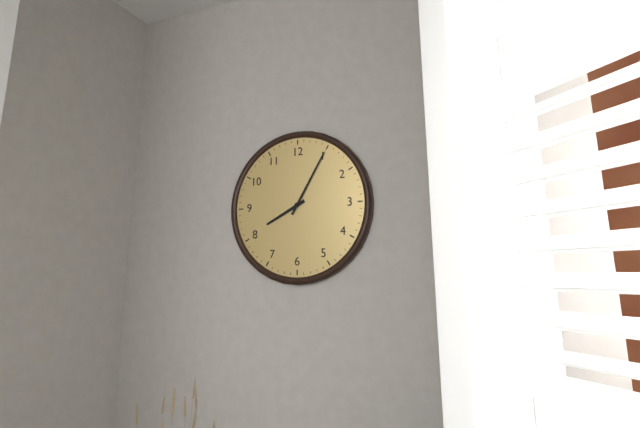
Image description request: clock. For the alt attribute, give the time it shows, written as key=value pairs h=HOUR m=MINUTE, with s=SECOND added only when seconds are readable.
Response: h=8 m=5
